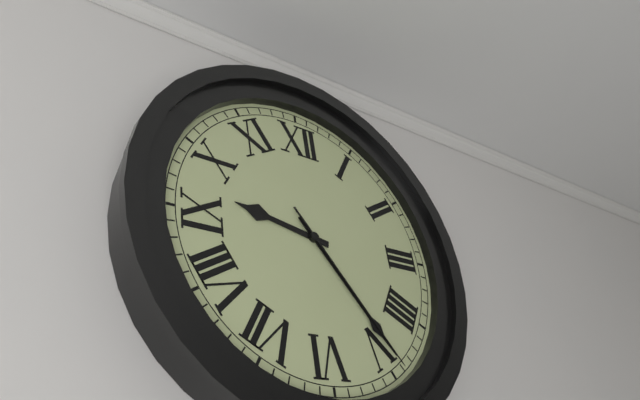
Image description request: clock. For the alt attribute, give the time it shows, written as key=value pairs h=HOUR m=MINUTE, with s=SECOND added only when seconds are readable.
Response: h=9 m=24 s=24
